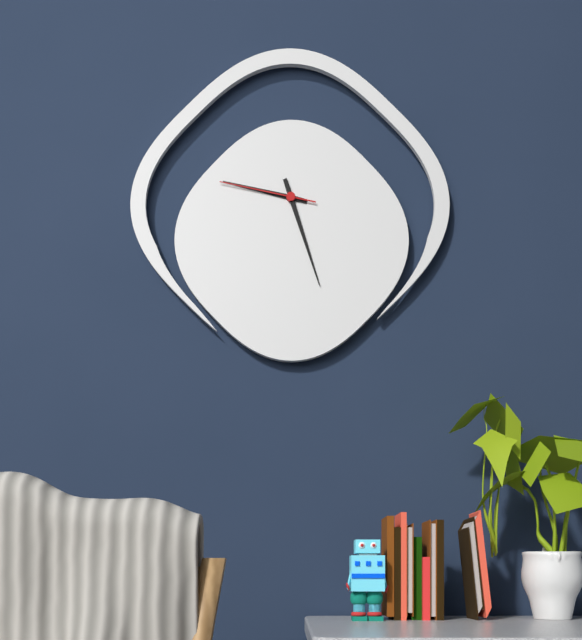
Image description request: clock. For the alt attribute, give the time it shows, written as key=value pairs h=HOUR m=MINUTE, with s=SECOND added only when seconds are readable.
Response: h=9 m=27 s=47
